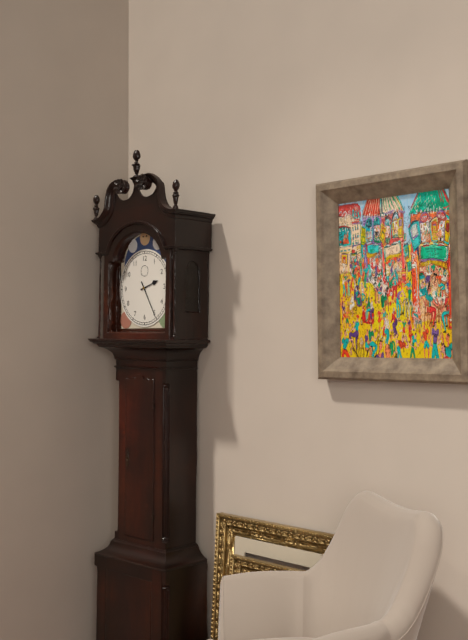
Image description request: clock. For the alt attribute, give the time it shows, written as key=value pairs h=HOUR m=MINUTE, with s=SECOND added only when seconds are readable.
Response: h=2 m=25
